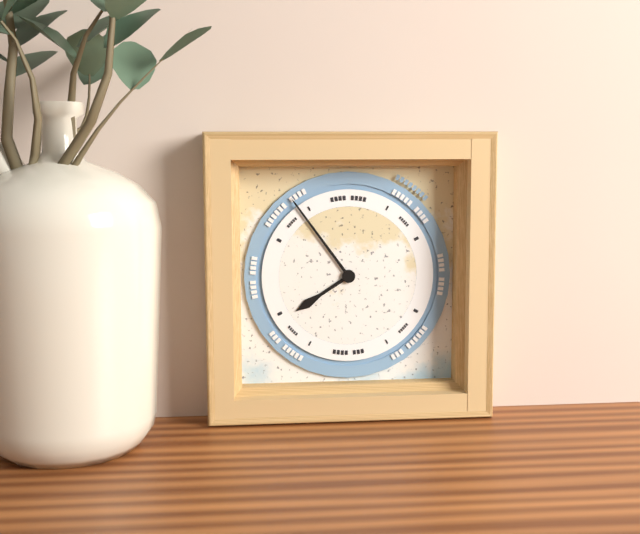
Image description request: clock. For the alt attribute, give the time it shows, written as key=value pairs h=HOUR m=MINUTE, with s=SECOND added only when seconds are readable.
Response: h=7 m=54
